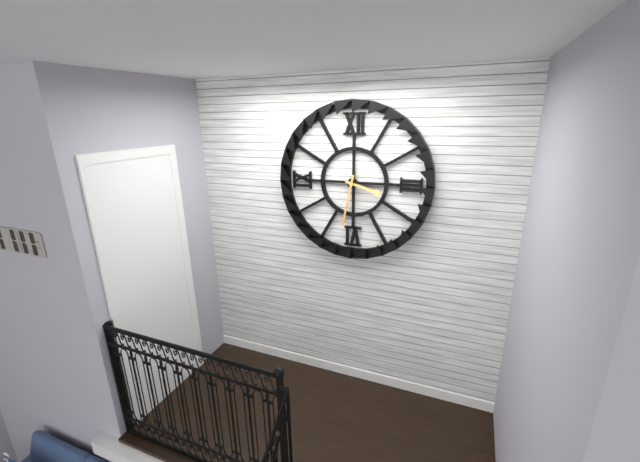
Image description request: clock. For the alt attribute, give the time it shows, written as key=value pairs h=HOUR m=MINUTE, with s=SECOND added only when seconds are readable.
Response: h=3 m=32
